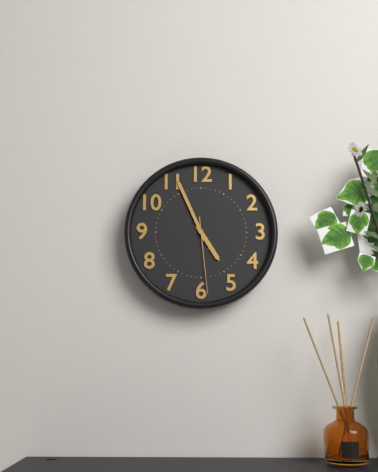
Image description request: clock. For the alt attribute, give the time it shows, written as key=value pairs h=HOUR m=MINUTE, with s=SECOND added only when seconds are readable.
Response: h=4 m=56 s=29
